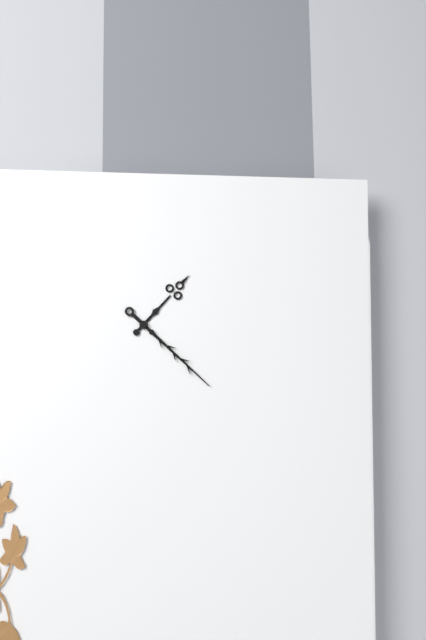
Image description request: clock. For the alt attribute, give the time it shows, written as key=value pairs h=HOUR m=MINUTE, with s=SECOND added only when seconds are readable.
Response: h=1 m=22
